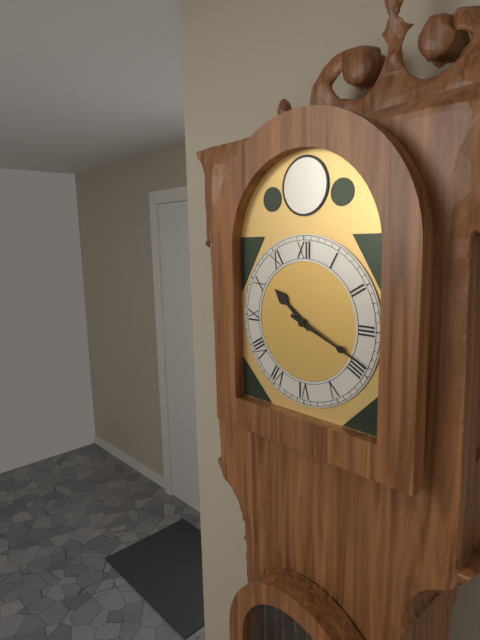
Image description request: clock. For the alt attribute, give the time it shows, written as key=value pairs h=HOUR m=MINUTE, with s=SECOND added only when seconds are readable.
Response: h=10 m=19
